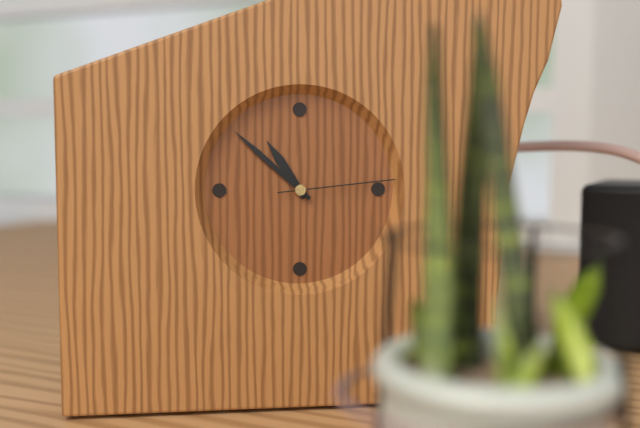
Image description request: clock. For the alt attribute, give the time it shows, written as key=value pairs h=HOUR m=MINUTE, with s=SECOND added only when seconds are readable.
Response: h=10 m=52 s=14
